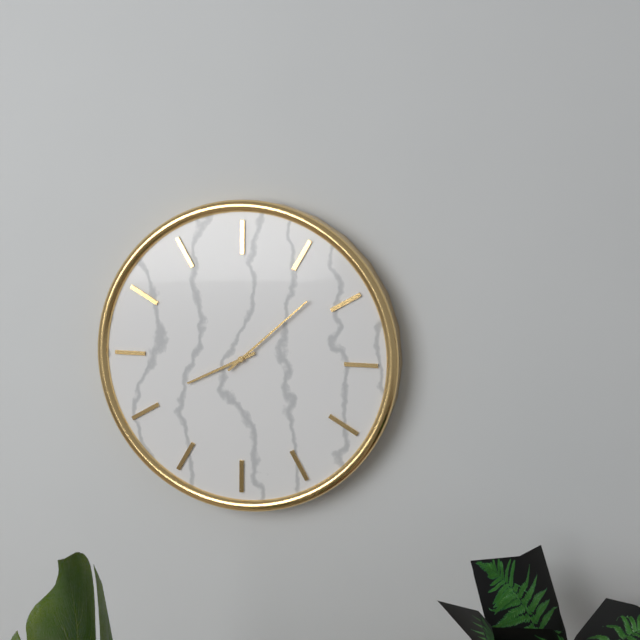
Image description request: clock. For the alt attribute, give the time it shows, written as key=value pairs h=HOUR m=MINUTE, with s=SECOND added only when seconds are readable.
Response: h=8 m=8
